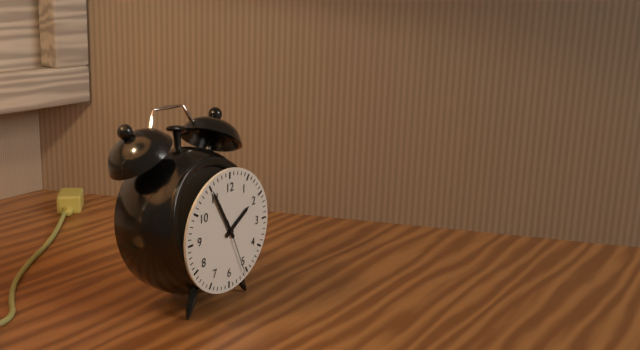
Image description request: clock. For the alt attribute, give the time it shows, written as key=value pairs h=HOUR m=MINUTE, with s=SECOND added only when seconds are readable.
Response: h=1 m=55 s=26
